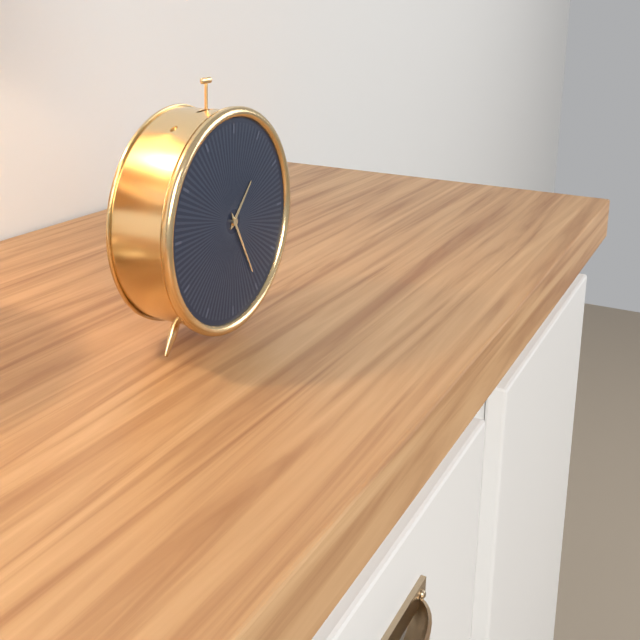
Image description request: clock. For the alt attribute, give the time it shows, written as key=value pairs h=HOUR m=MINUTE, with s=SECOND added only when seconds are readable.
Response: h=1 m=25
